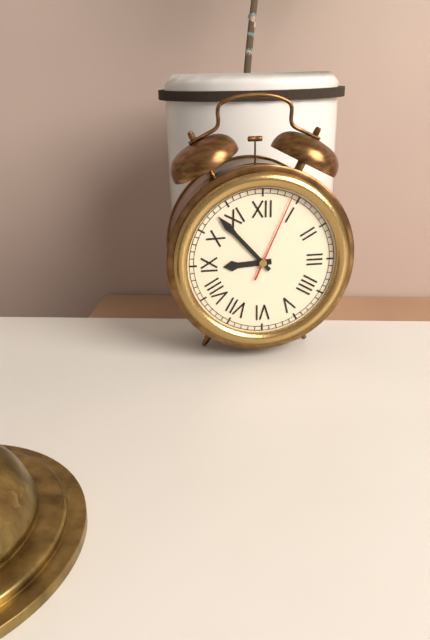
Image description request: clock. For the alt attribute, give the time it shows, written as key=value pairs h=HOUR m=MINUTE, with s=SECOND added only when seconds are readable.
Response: h=8 m=53 s=4
